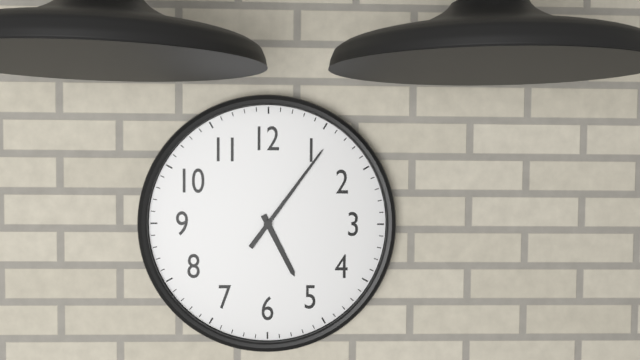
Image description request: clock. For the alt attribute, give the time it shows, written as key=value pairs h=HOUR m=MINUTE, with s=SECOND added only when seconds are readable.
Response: h=5 m=6
